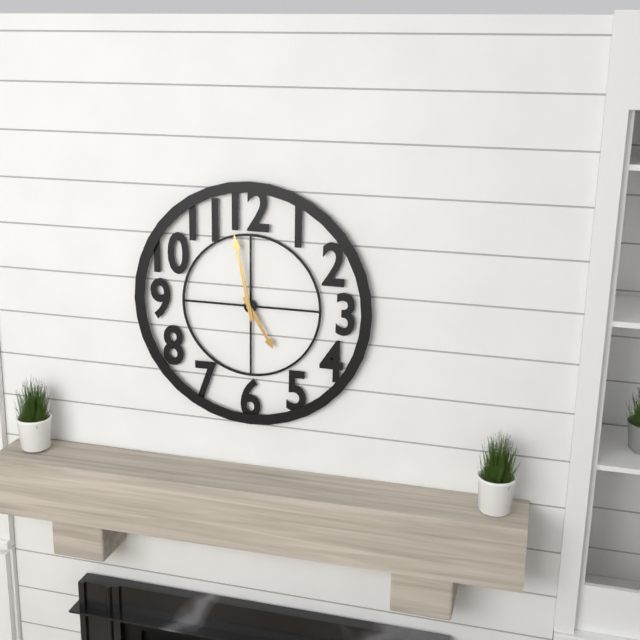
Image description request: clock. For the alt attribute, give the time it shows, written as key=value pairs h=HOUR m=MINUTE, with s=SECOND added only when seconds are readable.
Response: h=4 m=58
